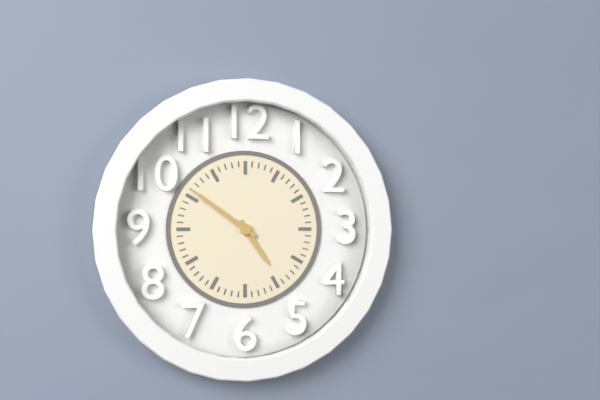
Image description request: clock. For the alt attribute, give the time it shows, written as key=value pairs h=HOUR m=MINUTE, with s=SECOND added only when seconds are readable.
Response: h=4 m=51
